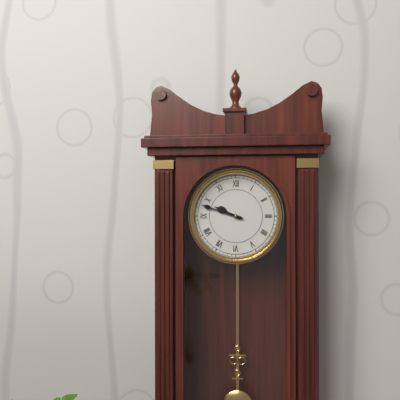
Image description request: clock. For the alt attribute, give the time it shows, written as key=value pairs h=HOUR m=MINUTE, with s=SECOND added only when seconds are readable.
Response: h=9 m=48
